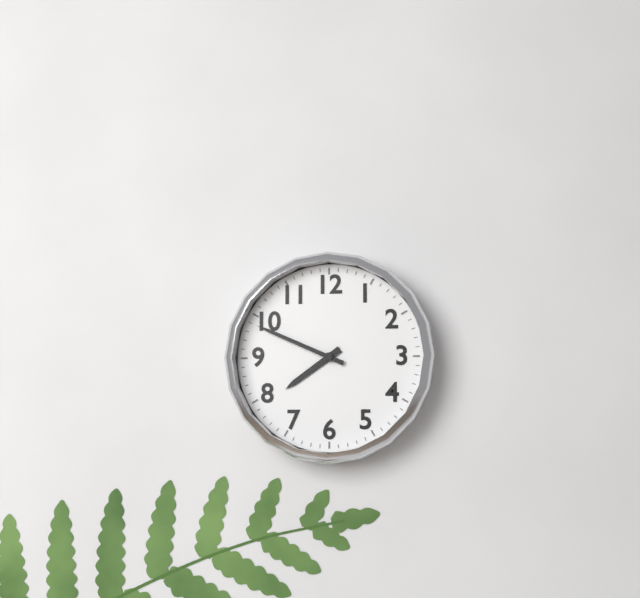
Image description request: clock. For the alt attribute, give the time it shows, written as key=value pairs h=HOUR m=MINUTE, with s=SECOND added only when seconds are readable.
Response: h=7 m=49
